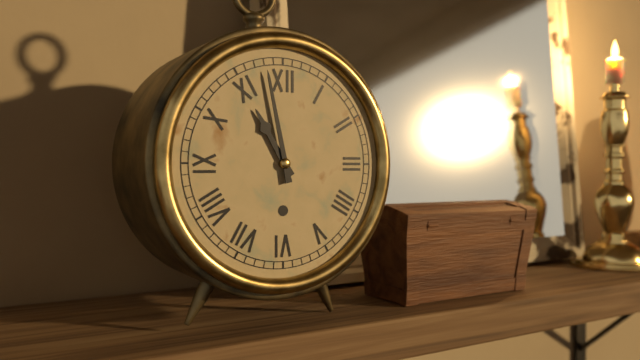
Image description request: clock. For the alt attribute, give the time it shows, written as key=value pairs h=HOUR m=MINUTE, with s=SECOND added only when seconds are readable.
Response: h=10 m=58
